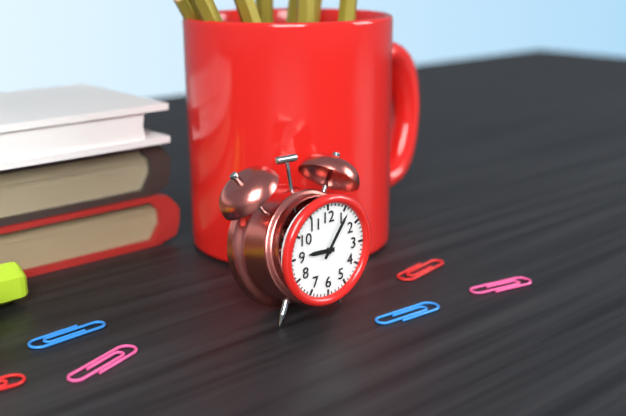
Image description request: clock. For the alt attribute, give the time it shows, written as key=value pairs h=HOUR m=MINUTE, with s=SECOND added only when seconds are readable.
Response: h=9 m=6
